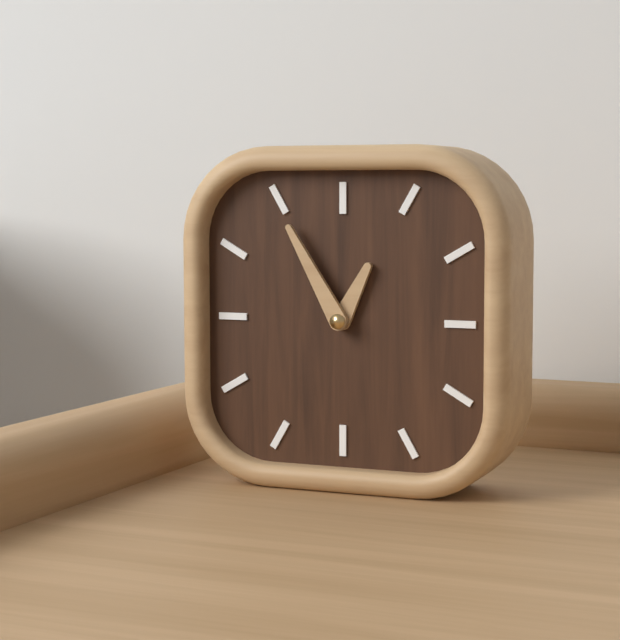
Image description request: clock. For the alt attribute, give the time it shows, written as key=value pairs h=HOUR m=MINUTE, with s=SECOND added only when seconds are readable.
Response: h=12 m=55
